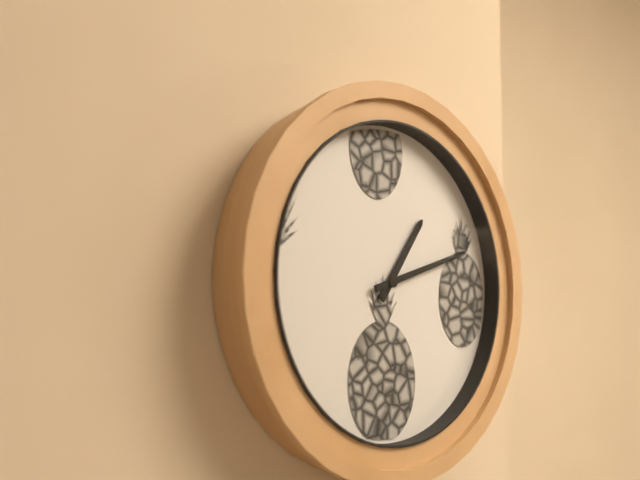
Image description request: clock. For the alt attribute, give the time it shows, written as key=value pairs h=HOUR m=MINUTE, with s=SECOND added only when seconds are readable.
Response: h=1 m=12
